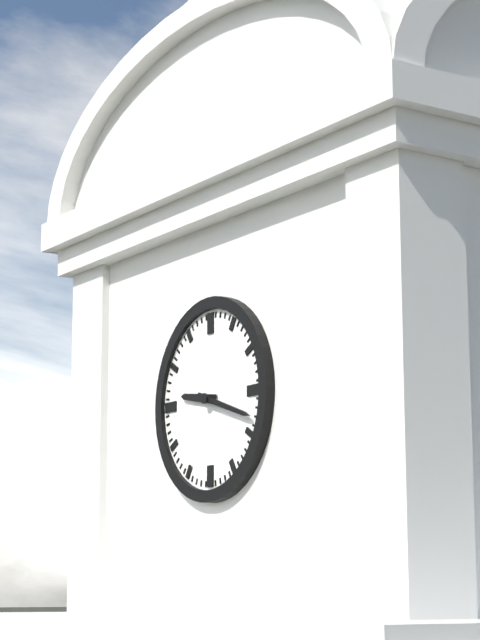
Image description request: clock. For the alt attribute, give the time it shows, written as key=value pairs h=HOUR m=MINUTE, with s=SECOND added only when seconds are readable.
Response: h=9 m=18
